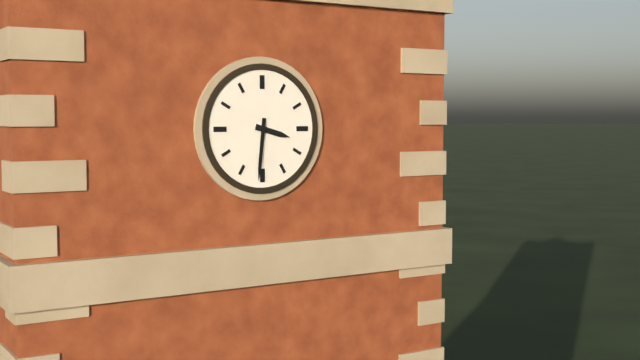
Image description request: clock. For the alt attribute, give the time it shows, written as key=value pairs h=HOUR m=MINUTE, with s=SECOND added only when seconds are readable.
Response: h=3 m=31
